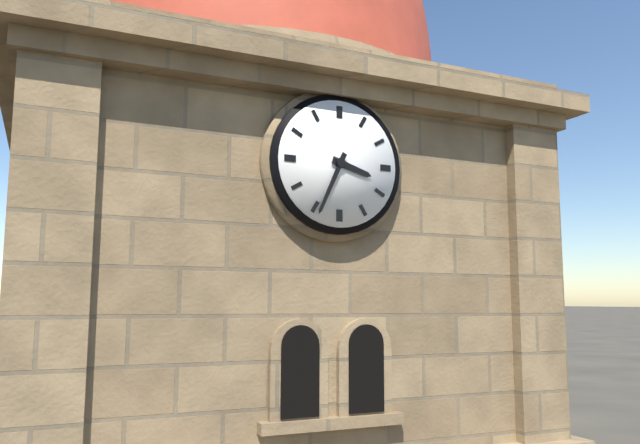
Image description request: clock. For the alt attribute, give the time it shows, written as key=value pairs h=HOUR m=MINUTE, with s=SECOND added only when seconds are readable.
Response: h=3 m=34
